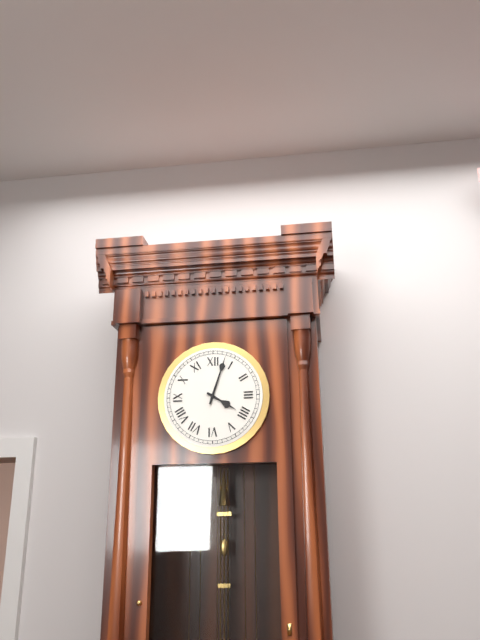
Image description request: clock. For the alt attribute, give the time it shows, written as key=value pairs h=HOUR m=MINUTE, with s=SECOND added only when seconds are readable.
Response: h=4 m=3
